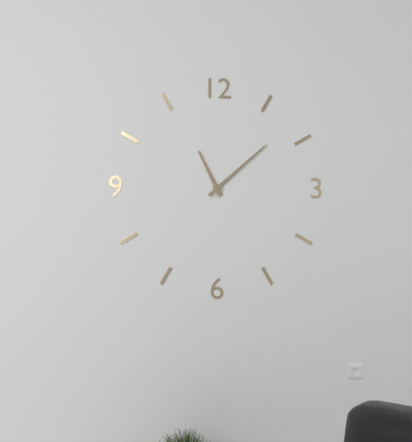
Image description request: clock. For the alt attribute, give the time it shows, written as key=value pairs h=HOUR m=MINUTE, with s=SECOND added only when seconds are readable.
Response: h=11 m=8
